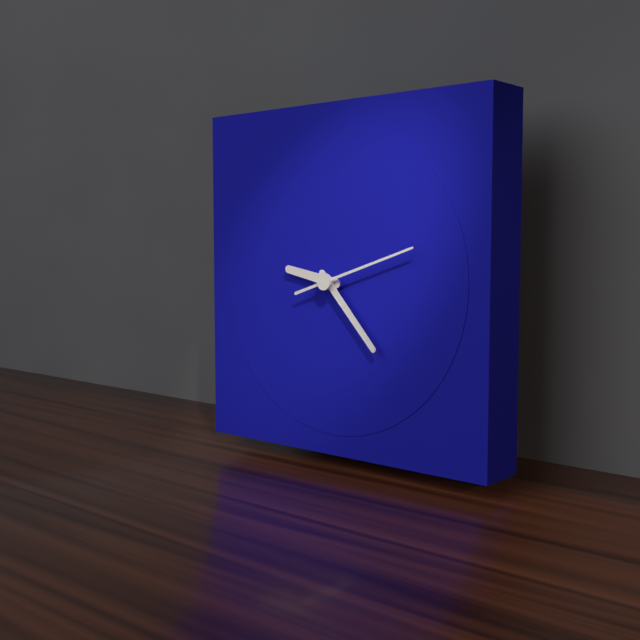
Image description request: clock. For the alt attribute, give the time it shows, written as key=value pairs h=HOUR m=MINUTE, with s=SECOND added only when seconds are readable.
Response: h=9 m=23 s=12
